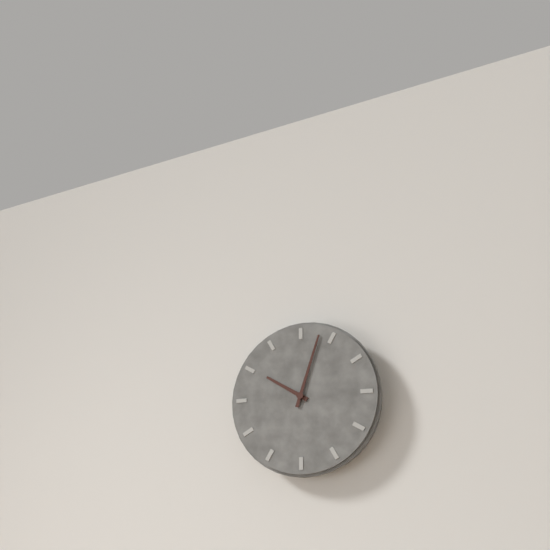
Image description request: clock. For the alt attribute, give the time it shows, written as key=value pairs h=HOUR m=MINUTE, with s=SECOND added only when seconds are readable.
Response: h=10 m=3
